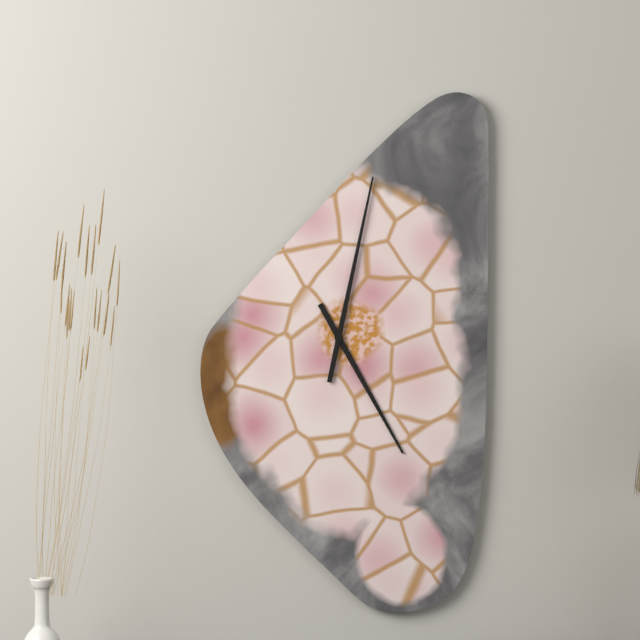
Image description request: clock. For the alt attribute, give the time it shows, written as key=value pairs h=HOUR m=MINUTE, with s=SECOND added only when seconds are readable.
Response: h=5 m=2
